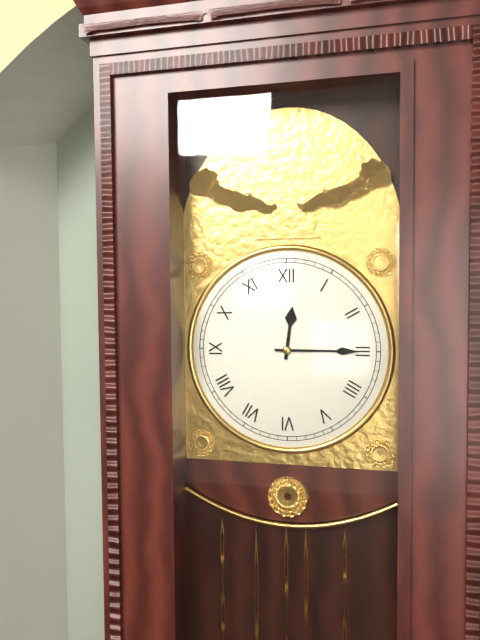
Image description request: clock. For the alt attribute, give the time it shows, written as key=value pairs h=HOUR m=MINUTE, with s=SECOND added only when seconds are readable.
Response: h=12 m=15
